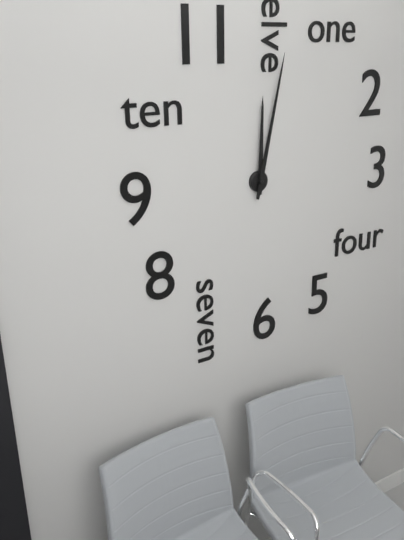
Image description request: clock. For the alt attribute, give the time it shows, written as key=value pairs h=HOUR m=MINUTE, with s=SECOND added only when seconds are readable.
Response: h=12 m=2
